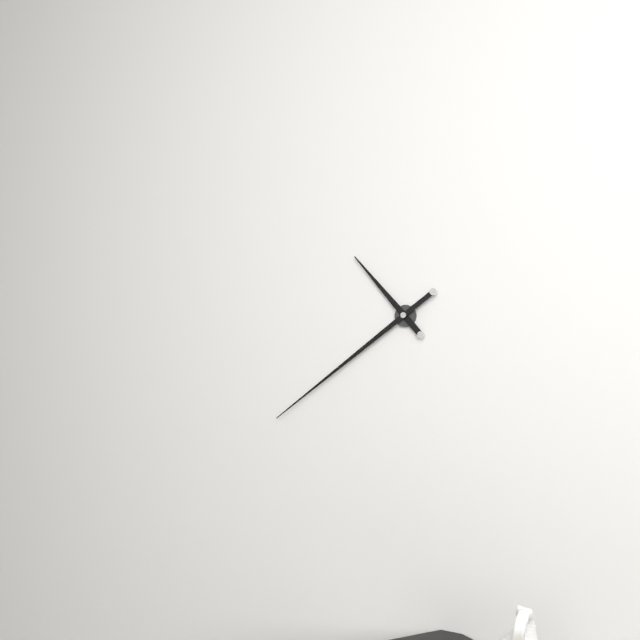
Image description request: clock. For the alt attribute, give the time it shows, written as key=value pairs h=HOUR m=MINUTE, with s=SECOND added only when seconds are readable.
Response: h=10 m=39
